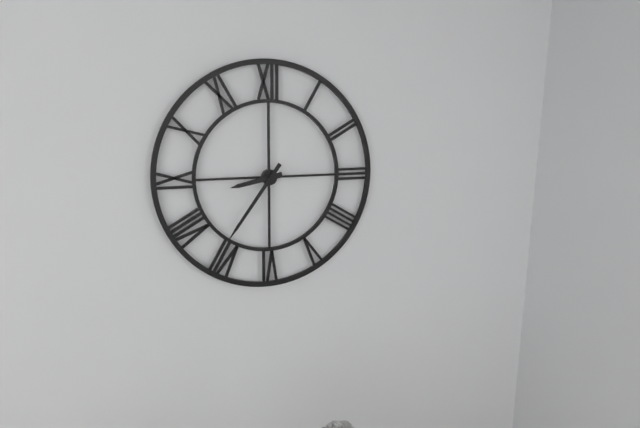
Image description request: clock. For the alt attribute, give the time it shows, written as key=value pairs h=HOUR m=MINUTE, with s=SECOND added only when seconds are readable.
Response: h=8 m=36
